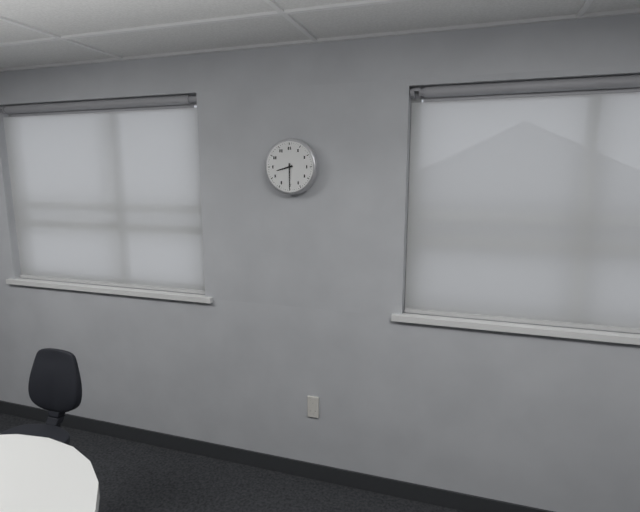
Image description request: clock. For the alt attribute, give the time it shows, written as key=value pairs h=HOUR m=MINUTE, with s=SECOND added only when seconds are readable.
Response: h=8 m=30
